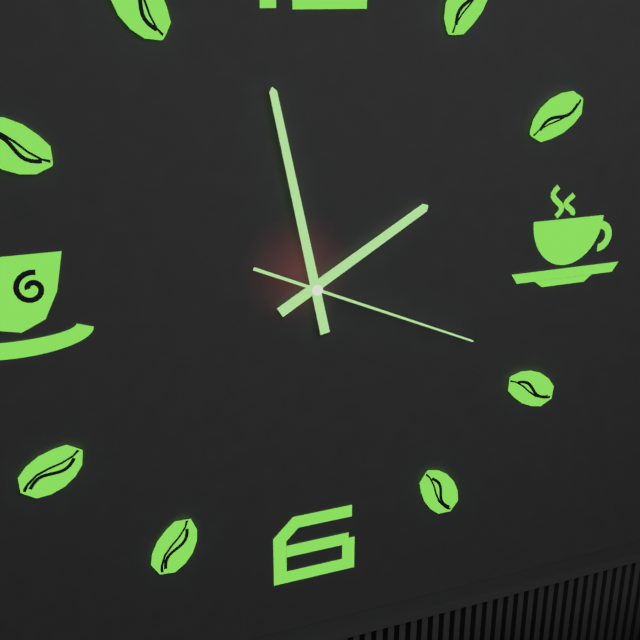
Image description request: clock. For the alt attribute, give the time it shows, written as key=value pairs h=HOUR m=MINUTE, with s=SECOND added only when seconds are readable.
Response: h=1 m=58 s=19
